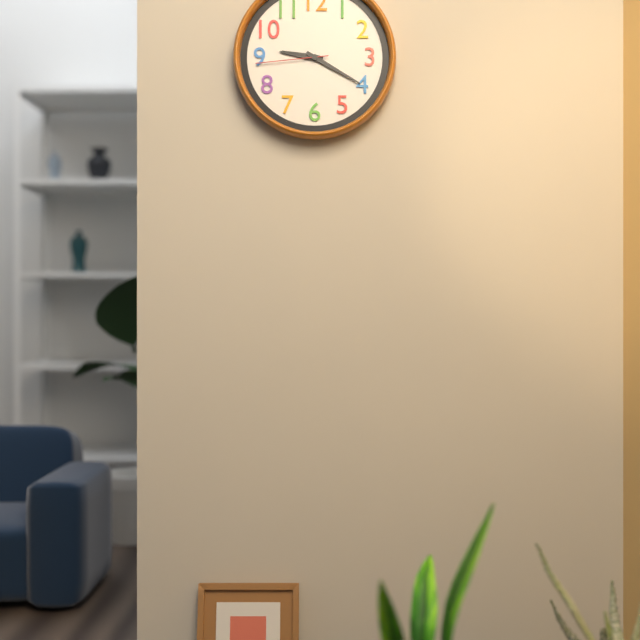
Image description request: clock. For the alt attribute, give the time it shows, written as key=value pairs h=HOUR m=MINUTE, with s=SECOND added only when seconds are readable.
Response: h=9 m=20 s=44
